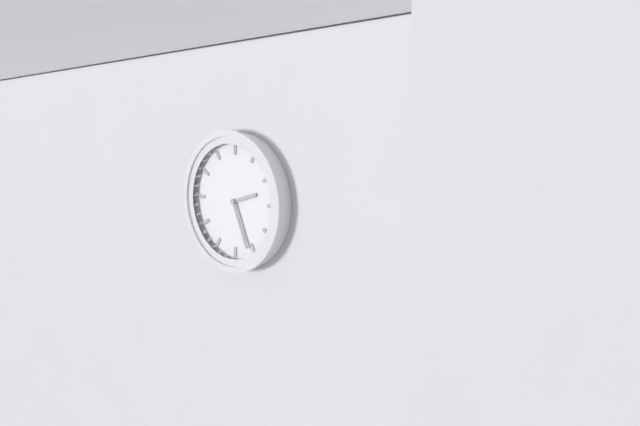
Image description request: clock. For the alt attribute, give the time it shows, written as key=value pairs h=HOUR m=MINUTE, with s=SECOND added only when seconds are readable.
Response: h=2 m=26
